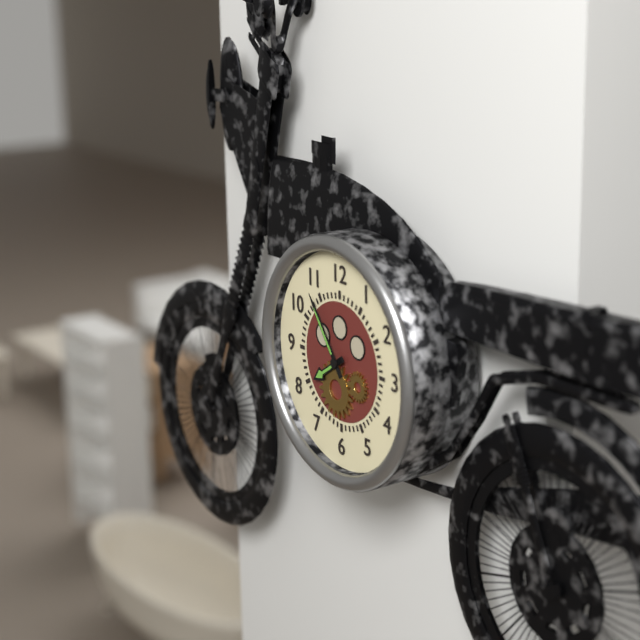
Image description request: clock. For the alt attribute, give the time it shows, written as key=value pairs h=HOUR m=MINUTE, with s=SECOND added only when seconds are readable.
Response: h=7 m=54
